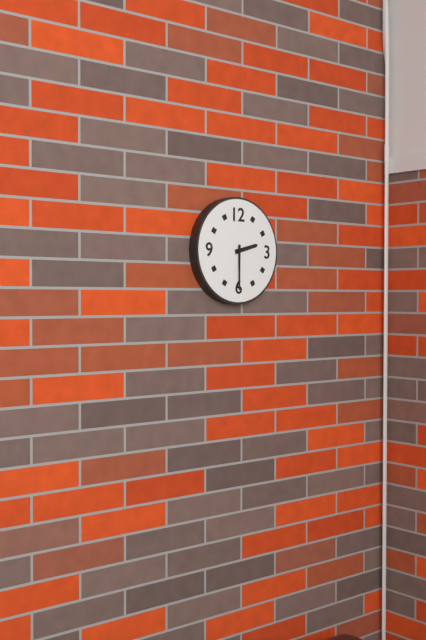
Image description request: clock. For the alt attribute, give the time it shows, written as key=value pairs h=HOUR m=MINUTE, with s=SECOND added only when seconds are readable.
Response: h=2 m=30
